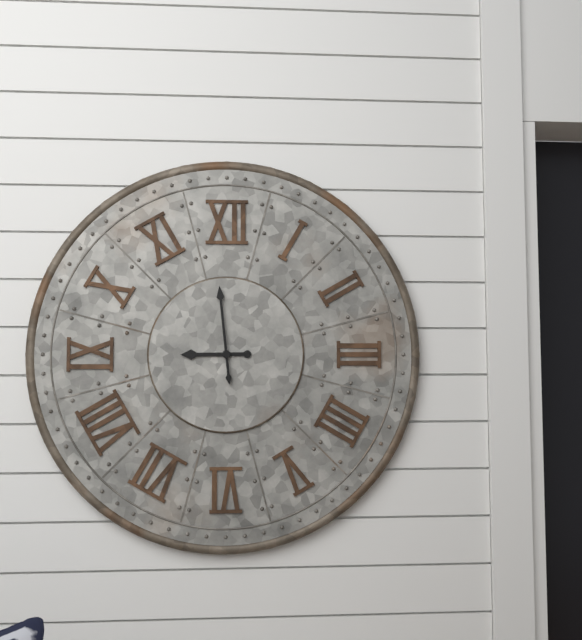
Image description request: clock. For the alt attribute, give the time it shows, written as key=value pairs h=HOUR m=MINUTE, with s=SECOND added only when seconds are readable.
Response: h=8 m=59
